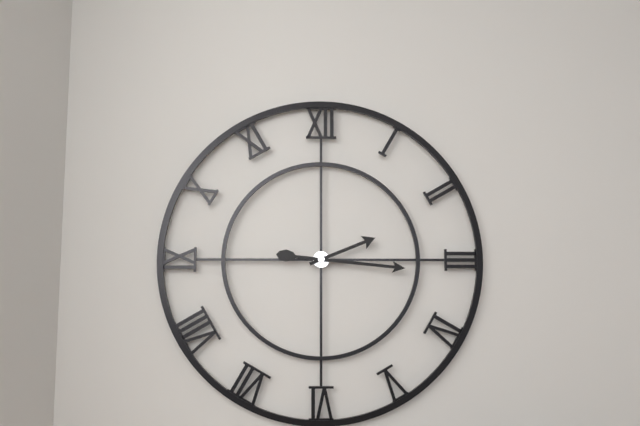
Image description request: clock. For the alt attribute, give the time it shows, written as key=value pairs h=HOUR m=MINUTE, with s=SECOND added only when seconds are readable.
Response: h=2 m=16
